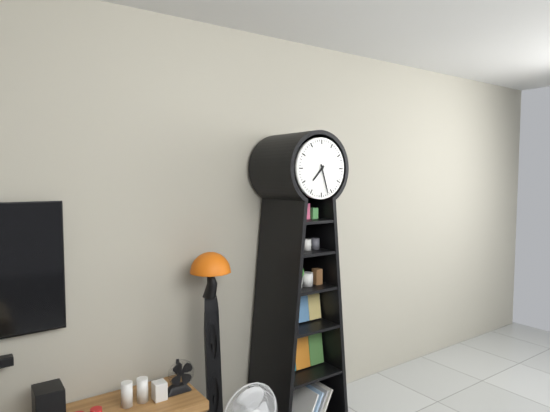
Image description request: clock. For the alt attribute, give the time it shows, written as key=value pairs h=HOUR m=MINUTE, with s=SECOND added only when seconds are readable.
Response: h=7 m=27
